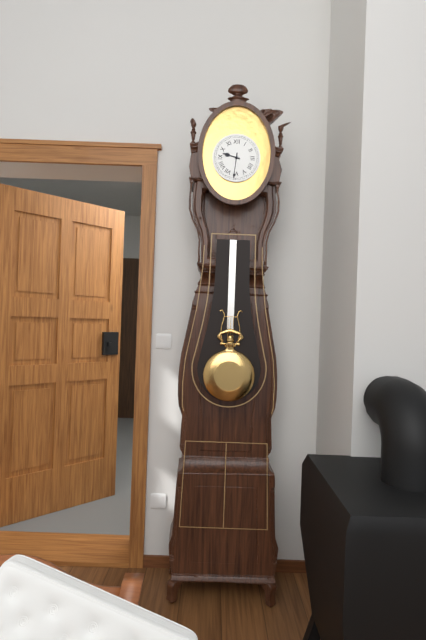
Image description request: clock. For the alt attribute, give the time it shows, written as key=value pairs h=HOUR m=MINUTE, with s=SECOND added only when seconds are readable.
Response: h=9 m=31
